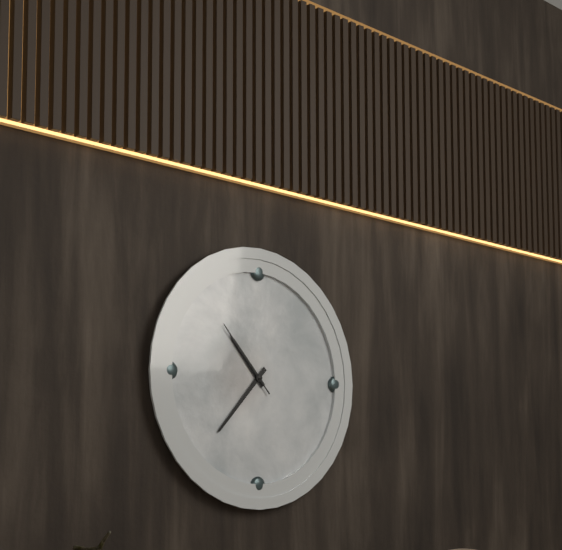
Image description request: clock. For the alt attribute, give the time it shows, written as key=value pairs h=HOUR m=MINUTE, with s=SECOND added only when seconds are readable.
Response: h=10 m=37 s=53
